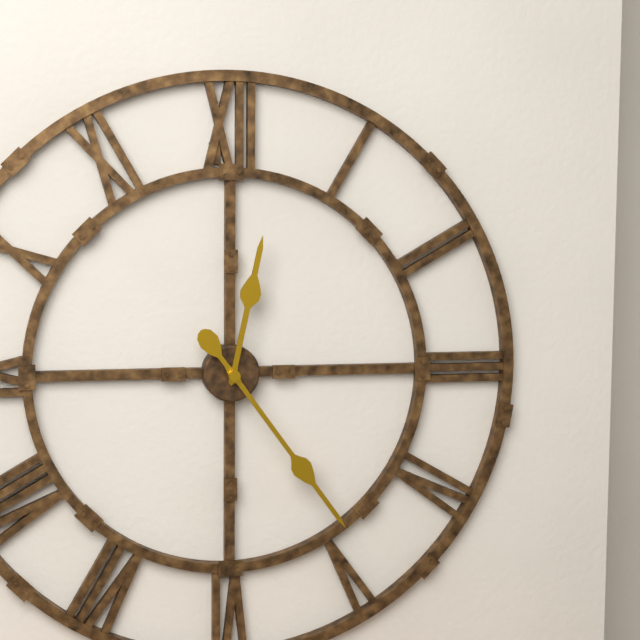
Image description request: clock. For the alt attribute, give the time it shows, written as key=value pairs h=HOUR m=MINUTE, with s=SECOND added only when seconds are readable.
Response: h=12 m=24
